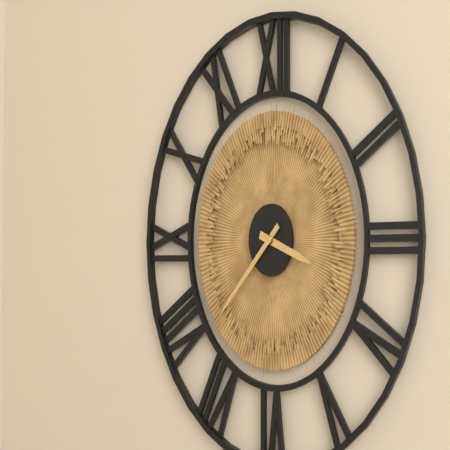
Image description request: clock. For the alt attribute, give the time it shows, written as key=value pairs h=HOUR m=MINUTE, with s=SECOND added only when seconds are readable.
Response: h=3 m=38
